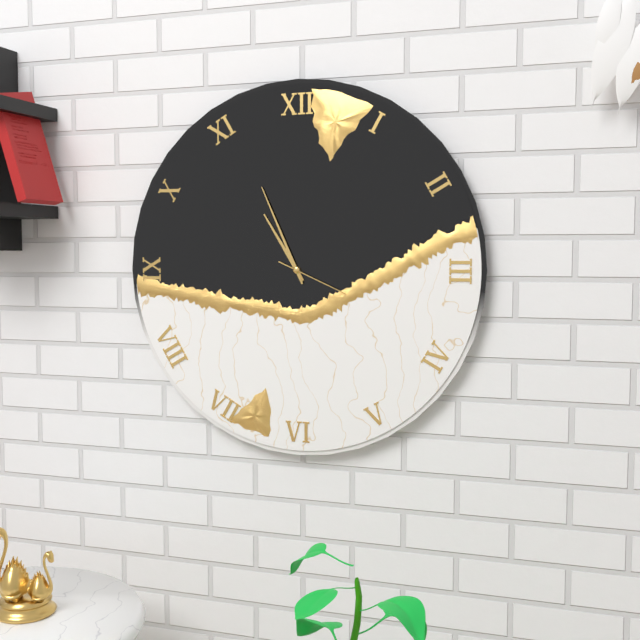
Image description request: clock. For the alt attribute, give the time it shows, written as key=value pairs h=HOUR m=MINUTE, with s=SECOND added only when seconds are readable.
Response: h=10 m=56 s=19
